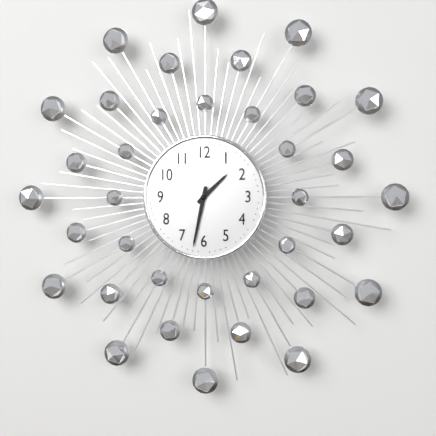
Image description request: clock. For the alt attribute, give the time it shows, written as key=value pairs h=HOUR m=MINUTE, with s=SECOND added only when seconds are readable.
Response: h=1 m=32
